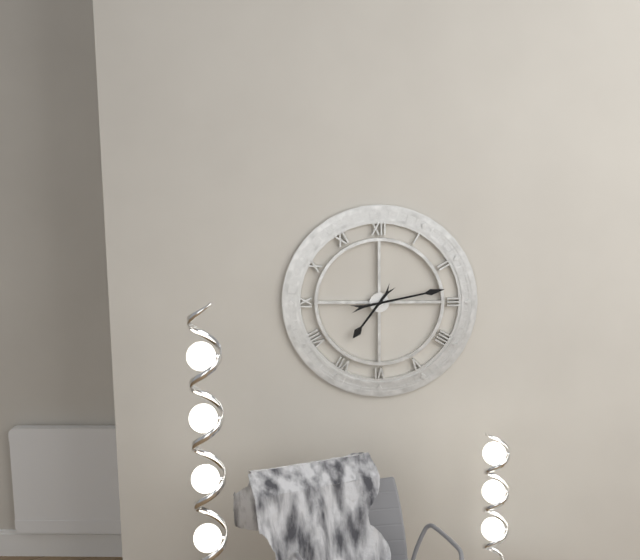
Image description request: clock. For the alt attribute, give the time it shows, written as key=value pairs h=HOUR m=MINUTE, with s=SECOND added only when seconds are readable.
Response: h=7 m=13
